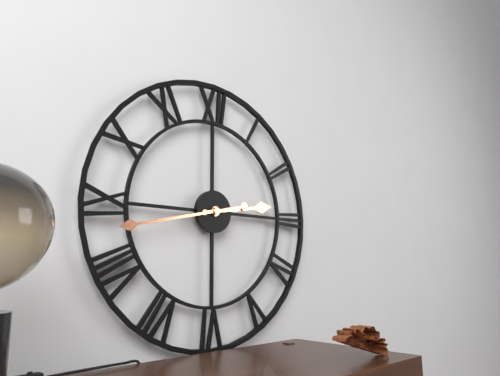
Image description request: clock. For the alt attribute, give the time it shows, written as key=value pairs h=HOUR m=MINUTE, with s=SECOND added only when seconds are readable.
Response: h=2 m=43
